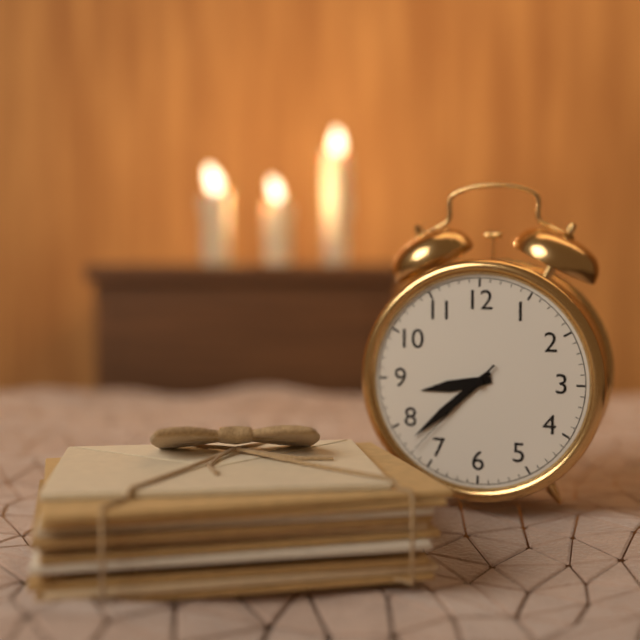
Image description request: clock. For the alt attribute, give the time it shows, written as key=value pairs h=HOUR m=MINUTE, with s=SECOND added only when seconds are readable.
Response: h=8 m=38 s=37
